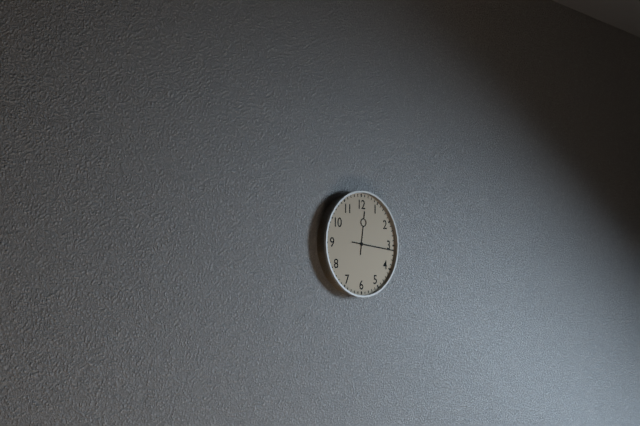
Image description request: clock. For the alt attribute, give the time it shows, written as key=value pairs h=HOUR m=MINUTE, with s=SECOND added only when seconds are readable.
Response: h=12 m=16
